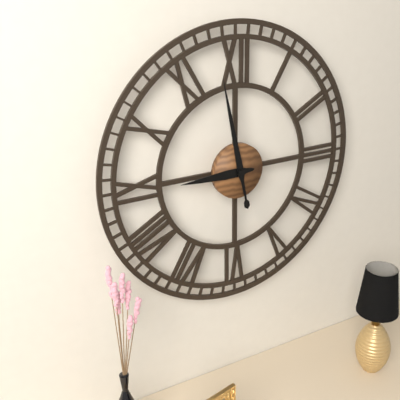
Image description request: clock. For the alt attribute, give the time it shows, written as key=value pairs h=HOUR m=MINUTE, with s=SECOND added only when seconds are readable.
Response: h=8 m=58
